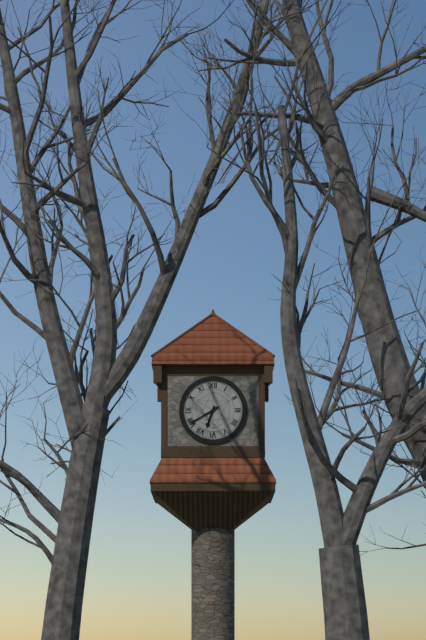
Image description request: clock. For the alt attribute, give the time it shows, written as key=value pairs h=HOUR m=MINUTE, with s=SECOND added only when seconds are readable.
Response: h=6 m=40
